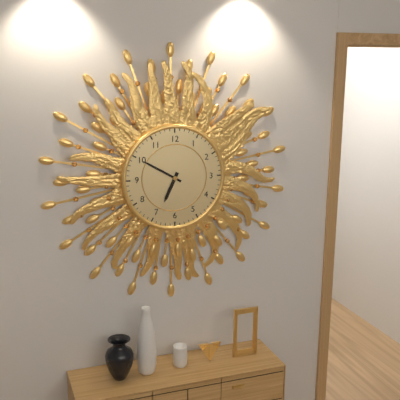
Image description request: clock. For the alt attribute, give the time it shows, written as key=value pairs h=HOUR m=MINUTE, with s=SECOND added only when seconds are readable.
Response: h=6 m=50
